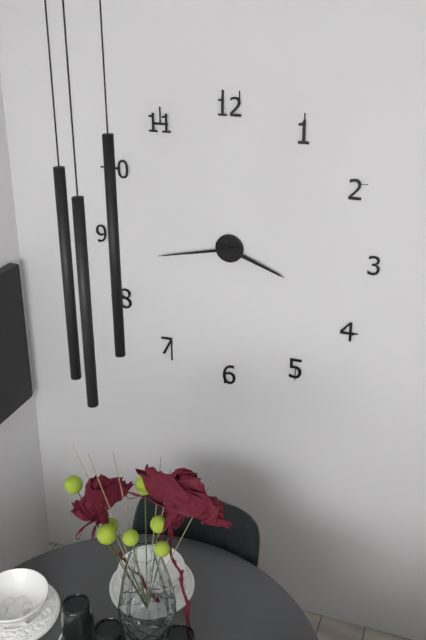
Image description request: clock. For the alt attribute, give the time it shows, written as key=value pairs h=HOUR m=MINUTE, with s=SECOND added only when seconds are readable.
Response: h=3 m=43
